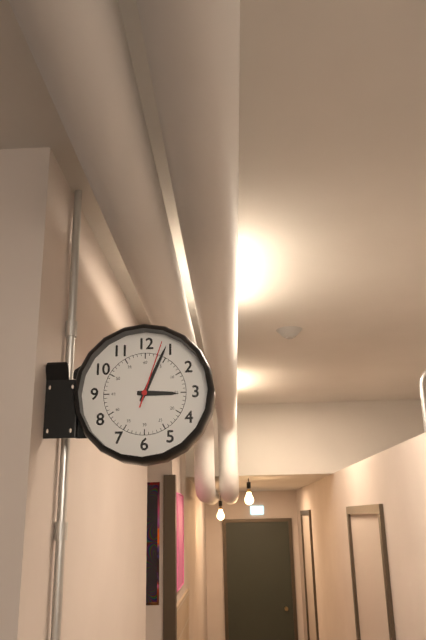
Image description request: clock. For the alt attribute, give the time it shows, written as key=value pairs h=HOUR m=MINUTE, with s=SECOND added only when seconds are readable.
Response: h=3 m=4 s=3
